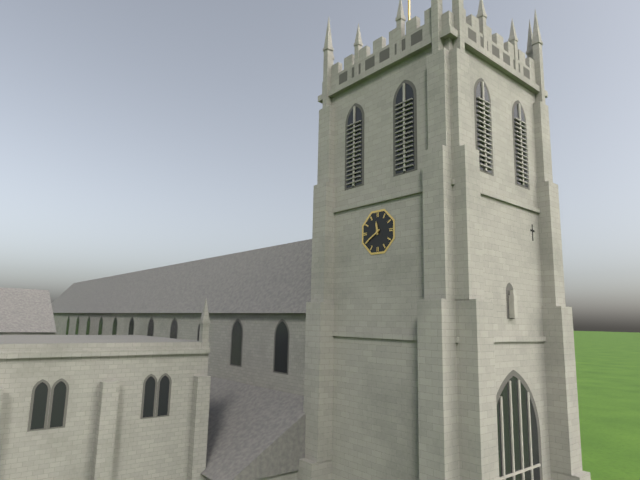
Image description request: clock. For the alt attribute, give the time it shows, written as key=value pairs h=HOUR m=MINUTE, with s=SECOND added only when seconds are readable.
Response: h=11 m=40
